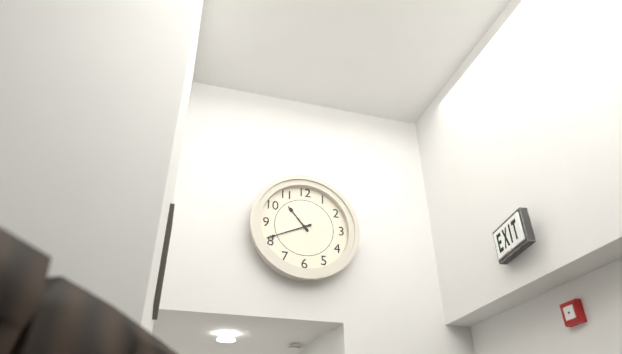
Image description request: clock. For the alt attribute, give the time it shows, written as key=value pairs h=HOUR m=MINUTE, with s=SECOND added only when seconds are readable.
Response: h=10 m=41
